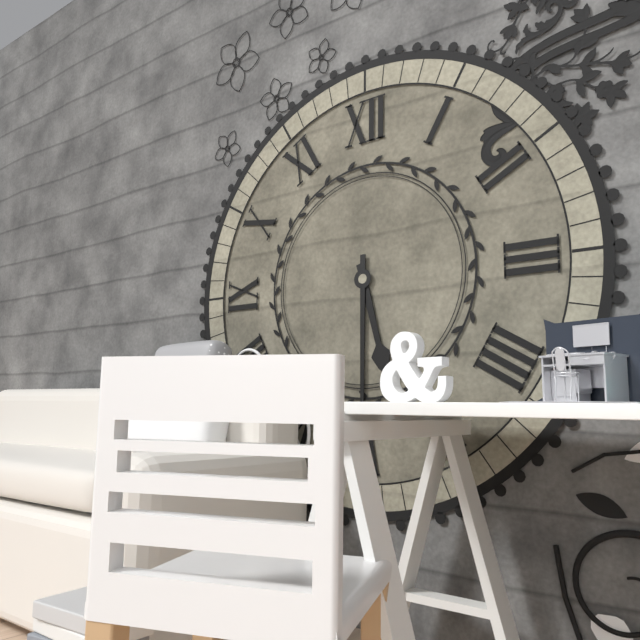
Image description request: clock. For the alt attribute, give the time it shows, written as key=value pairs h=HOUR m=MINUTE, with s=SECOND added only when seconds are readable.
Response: h=5 m=30
